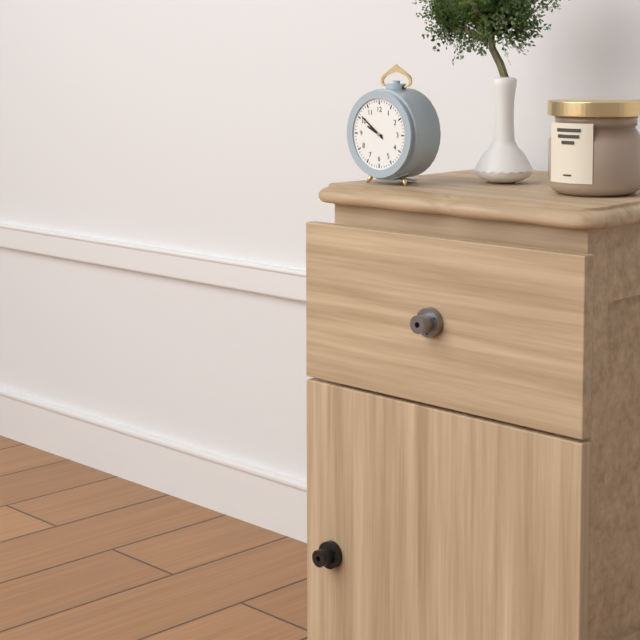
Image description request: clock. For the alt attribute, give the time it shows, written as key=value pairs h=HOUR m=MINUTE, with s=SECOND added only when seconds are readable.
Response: h=9 m=51
